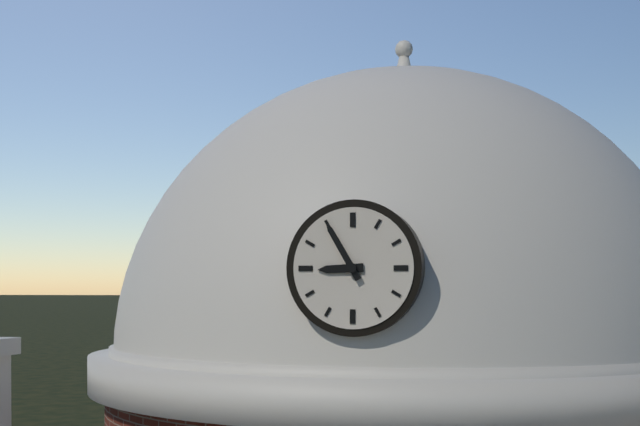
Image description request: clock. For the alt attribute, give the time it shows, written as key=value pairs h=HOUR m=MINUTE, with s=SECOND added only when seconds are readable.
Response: h=8 m=55
